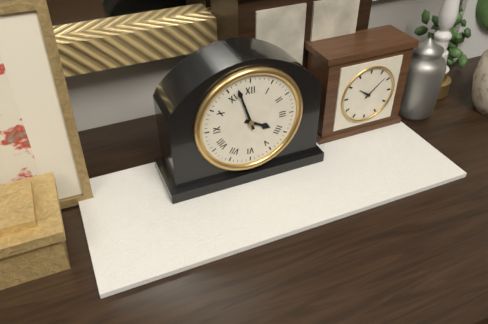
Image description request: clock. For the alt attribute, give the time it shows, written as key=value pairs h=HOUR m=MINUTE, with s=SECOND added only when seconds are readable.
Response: h=3 m=57
